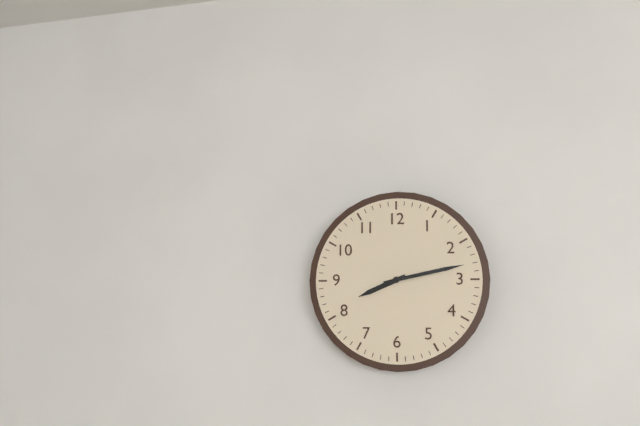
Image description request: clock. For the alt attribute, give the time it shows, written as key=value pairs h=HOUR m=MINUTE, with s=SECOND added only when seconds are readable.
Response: h=8 m=13
